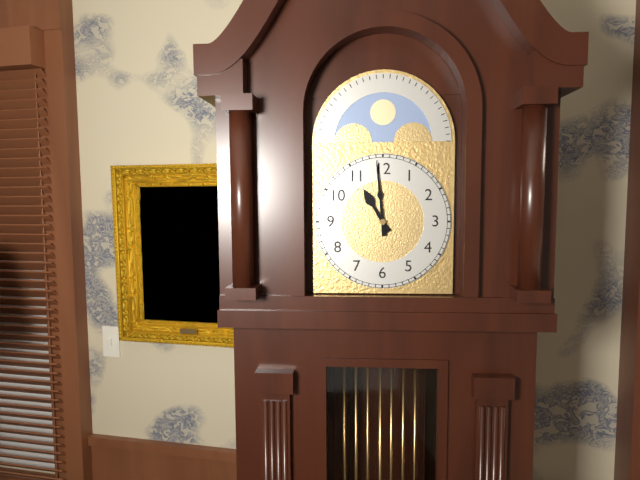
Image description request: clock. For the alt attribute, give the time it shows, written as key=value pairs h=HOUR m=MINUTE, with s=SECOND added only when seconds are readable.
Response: h=10 m=59
